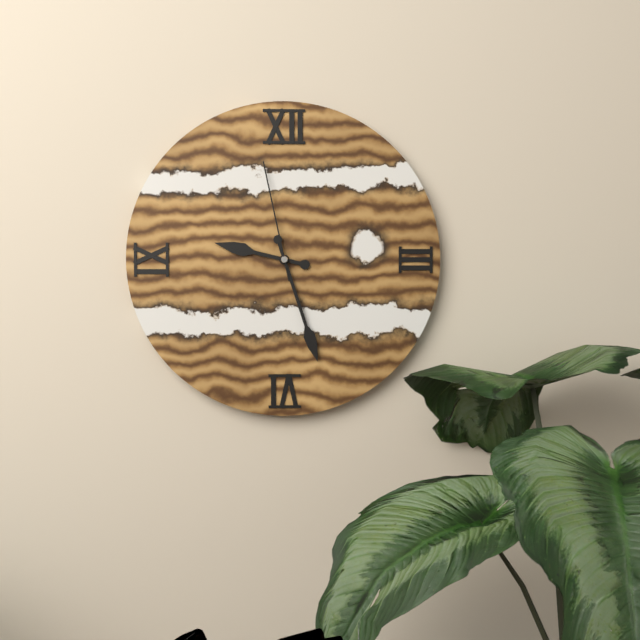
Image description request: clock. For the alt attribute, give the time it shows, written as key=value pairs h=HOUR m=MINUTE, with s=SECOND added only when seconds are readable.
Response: h=9 m=27 s=58
